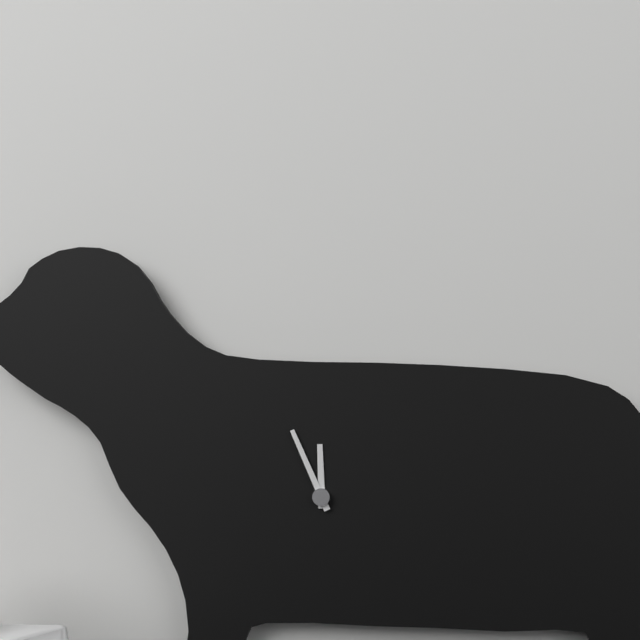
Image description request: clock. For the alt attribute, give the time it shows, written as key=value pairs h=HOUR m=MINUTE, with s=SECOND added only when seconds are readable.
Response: h=11 m=56
